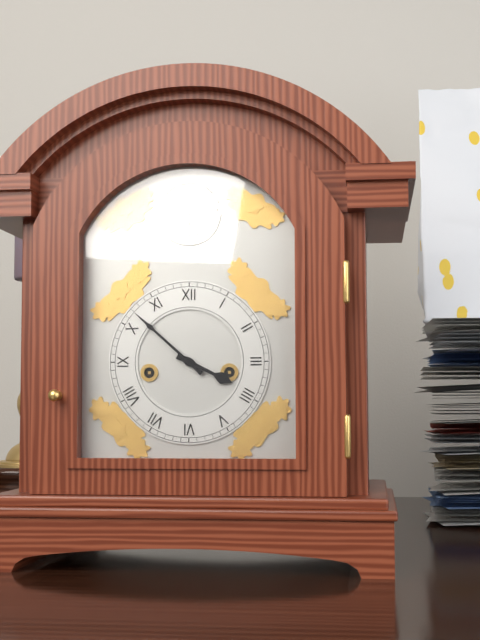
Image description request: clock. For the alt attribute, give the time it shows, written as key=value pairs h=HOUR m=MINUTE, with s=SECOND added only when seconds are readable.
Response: h=3 m=52
